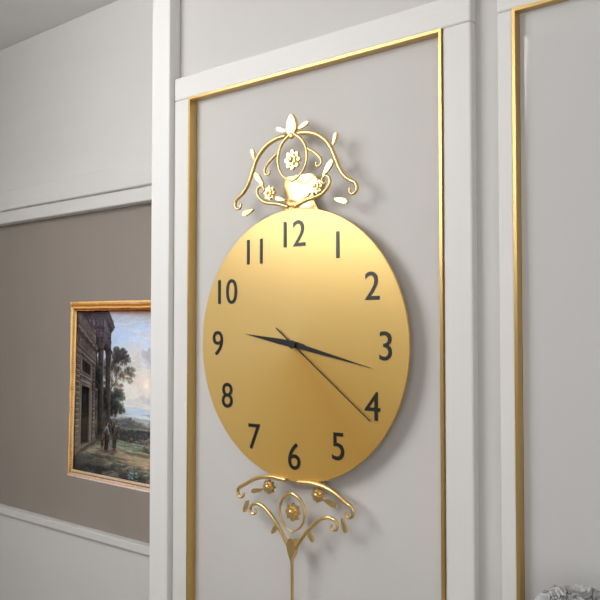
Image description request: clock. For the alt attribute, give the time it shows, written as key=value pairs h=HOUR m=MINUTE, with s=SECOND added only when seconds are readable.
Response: h=9 m=17 s=21
